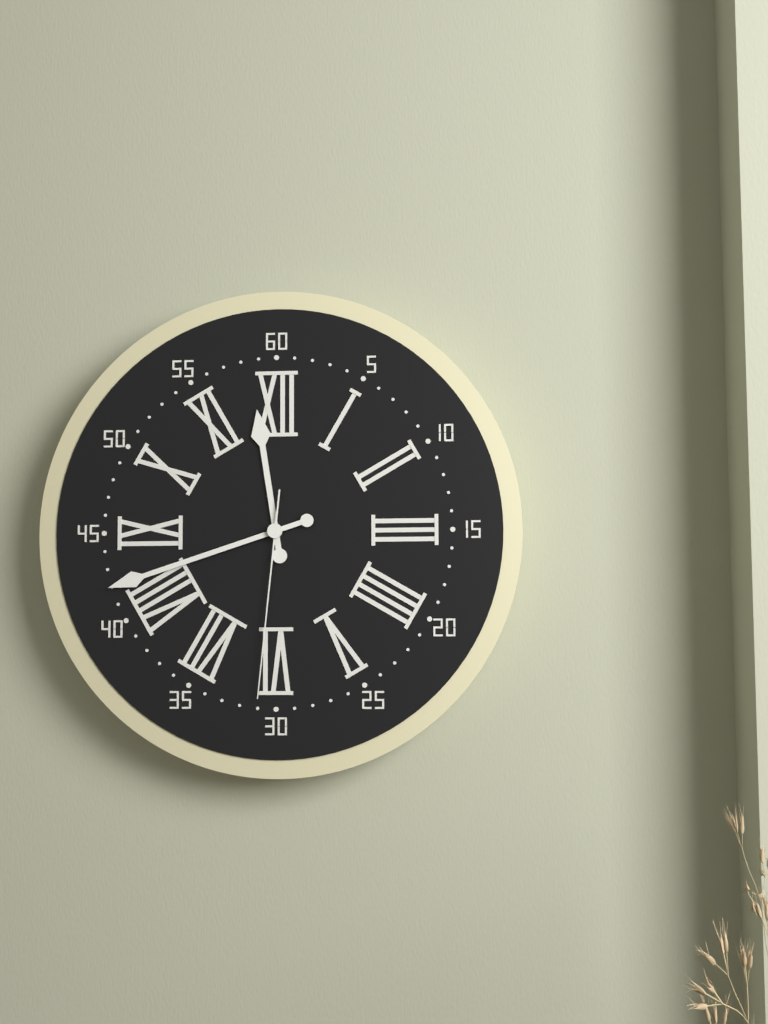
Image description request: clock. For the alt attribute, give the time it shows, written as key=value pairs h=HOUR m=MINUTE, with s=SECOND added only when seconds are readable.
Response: h=11 m=42 s=31
